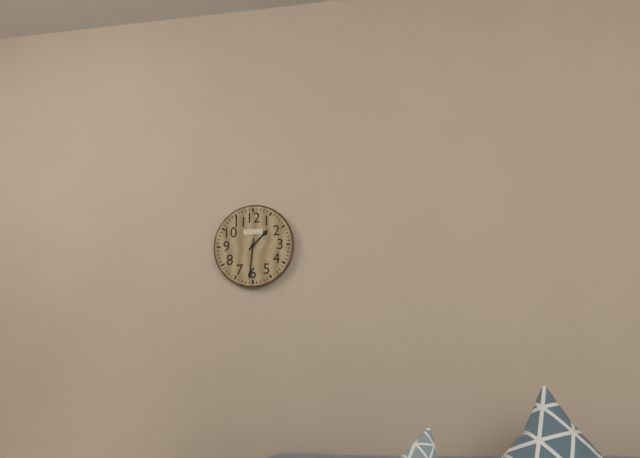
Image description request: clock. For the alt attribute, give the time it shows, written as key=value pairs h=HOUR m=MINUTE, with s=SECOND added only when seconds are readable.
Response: h=1 m=31
